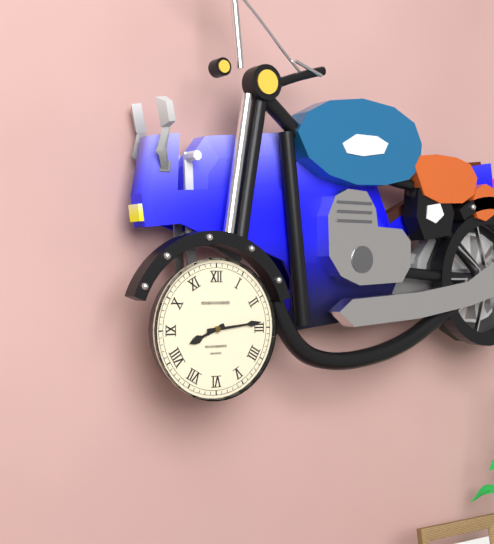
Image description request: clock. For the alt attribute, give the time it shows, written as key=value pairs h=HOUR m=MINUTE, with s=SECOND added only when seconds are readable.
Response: h=8 m=14
